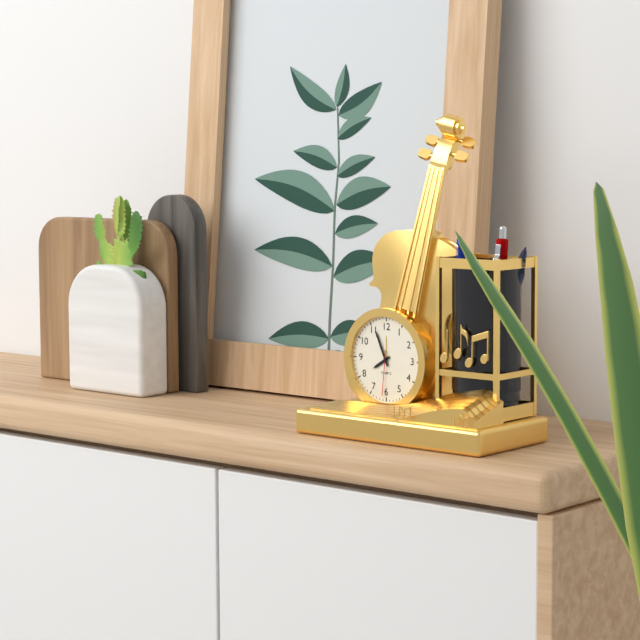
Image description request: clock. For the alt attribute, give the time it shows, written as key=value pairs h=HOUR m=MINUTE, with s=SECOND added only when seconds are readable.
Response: h=7 m=56
